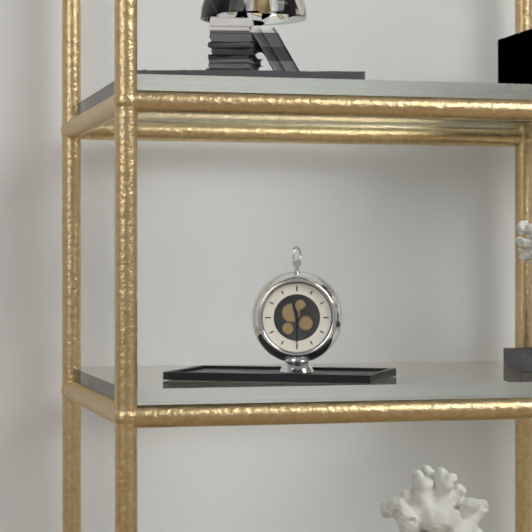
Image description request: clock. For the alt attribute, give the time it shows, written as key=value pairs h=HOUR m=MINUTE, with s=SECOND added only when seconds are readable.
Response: h=11 m=30
